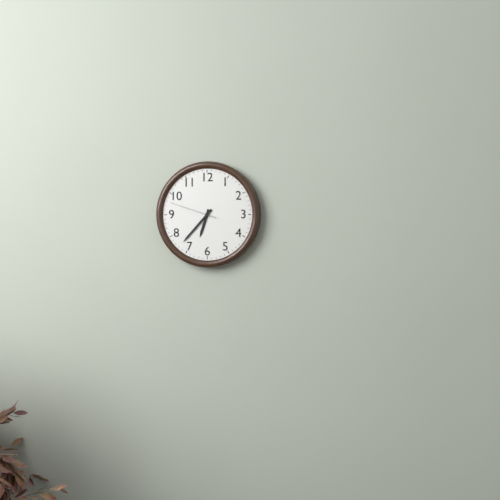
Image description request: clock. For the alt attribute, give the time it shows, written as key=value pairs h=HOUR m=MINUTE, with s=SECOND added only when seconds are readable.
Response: h=6 m=37
